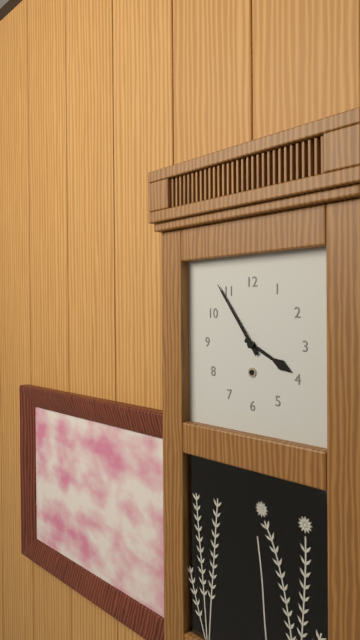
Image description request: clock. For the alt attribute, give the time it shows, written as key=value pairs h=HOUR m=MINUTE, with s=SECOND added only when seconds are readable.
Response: h=3 m=54
